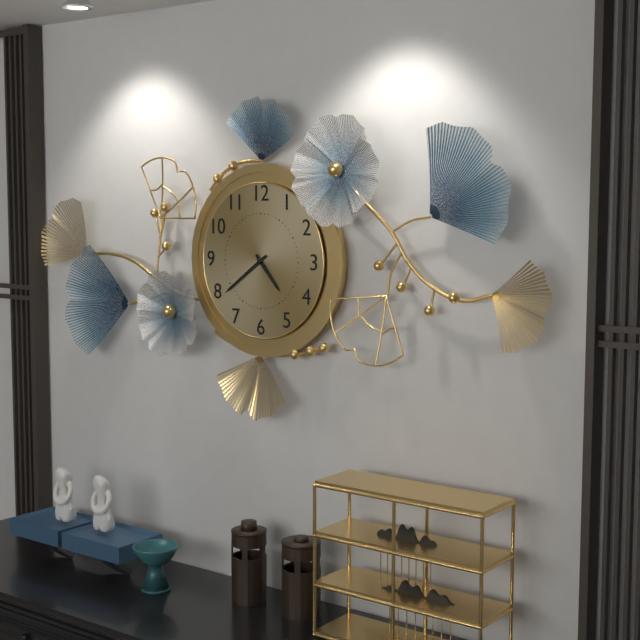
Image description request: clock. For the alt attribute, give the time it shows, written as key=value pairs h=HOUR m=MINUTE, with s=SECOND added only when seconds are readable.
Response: h=4 m=39
